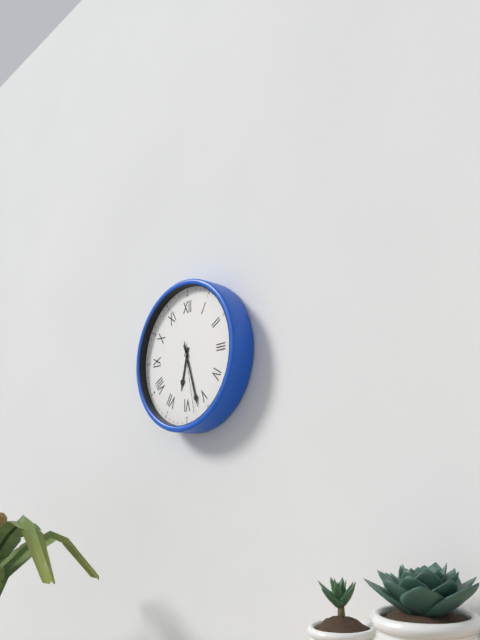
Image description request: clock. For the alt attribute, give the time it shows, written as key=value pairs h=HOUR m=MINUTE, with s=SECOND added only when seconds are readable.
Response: h=6 m=27 s=28
